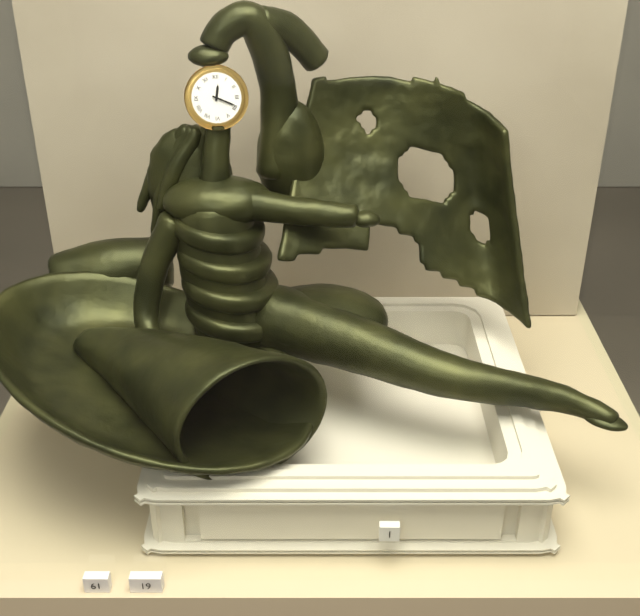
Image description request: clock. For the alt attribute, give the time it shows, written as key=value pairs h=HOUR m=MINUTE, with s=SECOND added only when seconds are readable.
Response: h=12 m=19
